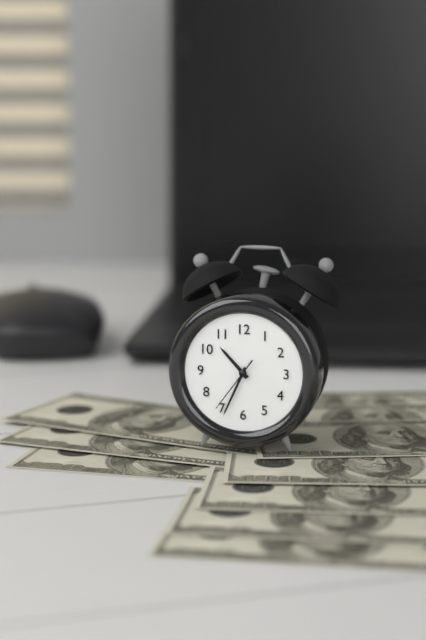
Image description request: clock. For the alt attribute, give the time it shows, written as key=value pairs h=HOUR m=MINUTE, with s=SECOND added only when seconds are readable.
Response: h=10 m=34 s=36
